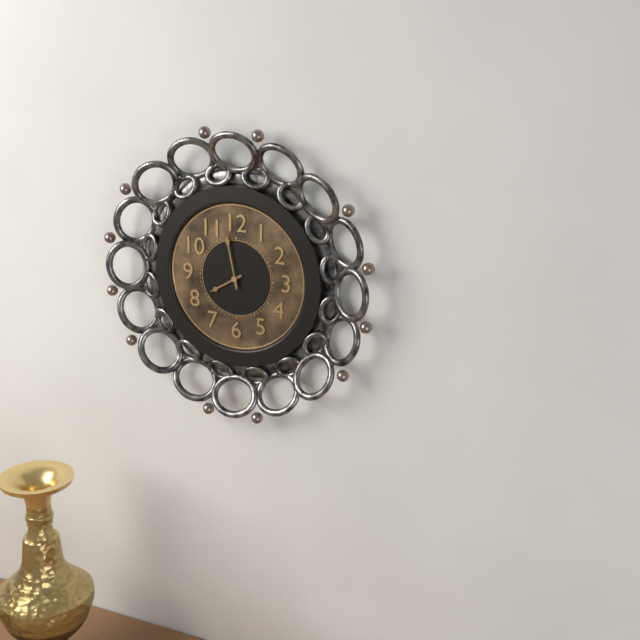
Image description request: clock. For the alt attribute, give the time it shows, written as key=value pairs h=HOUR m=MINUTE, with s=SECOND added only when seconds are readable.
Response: h=7 m=58
